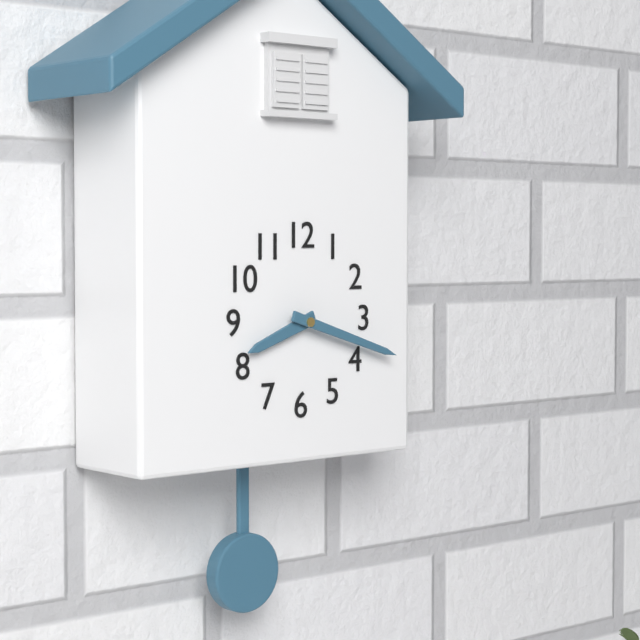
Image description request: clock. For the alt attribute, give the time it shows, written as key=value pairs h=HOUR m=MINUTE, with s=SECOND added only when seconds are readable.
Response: h=8 m=18
